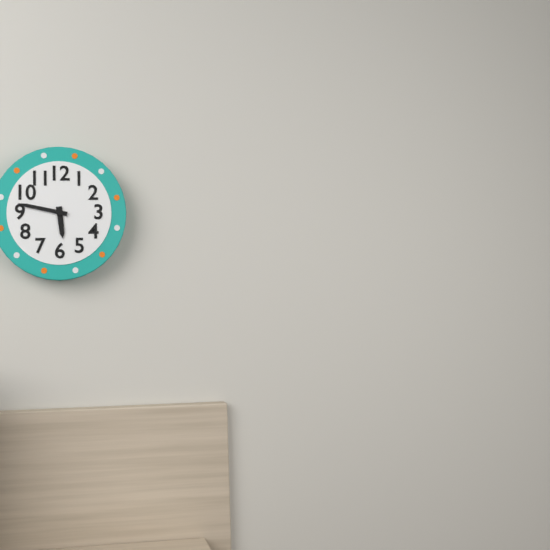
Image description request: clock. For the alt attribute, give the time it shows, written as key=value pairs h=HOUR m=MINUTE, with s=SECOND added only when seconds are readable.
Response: h=5 m=47
